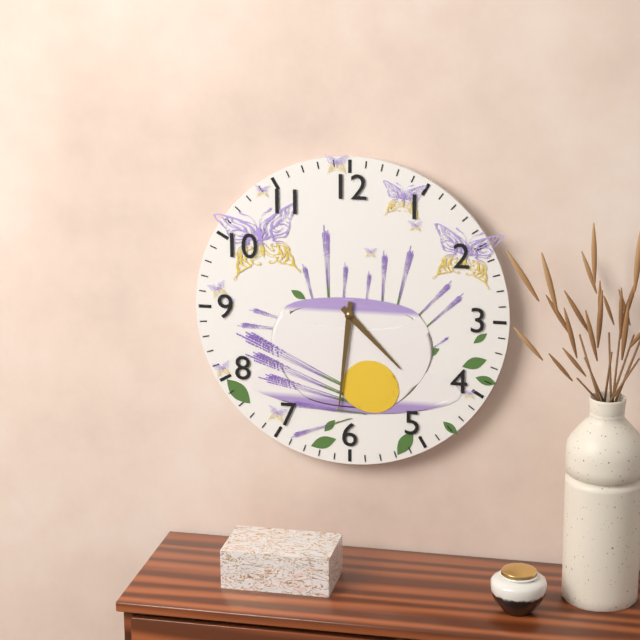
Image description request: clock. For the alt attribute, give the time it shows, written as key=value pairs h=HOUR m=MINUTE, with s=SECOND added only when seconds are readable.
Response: h=4 m=31
